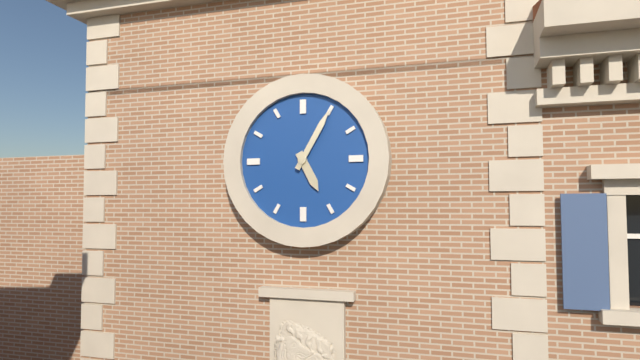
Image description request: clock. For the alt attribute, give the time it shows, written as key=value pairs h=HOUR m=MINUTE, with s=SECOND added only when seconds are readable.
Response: h=5 m=5
